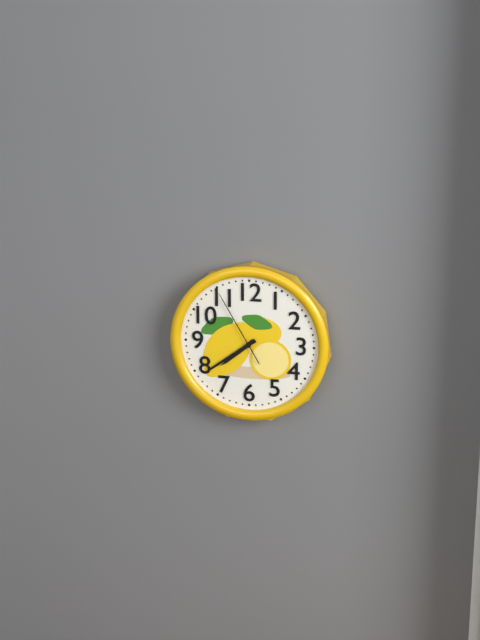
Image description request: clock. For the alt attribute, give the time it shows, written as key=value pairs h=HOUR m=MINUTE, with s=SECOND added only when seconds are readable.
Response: h=7 m=39 s=55
